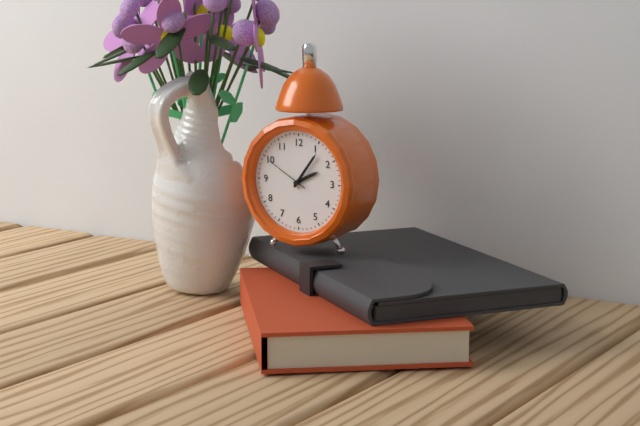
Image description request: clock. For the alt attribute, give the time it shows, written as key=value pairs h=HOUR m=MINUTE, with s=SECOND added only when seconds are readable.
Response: h=2 m=6 s=50
